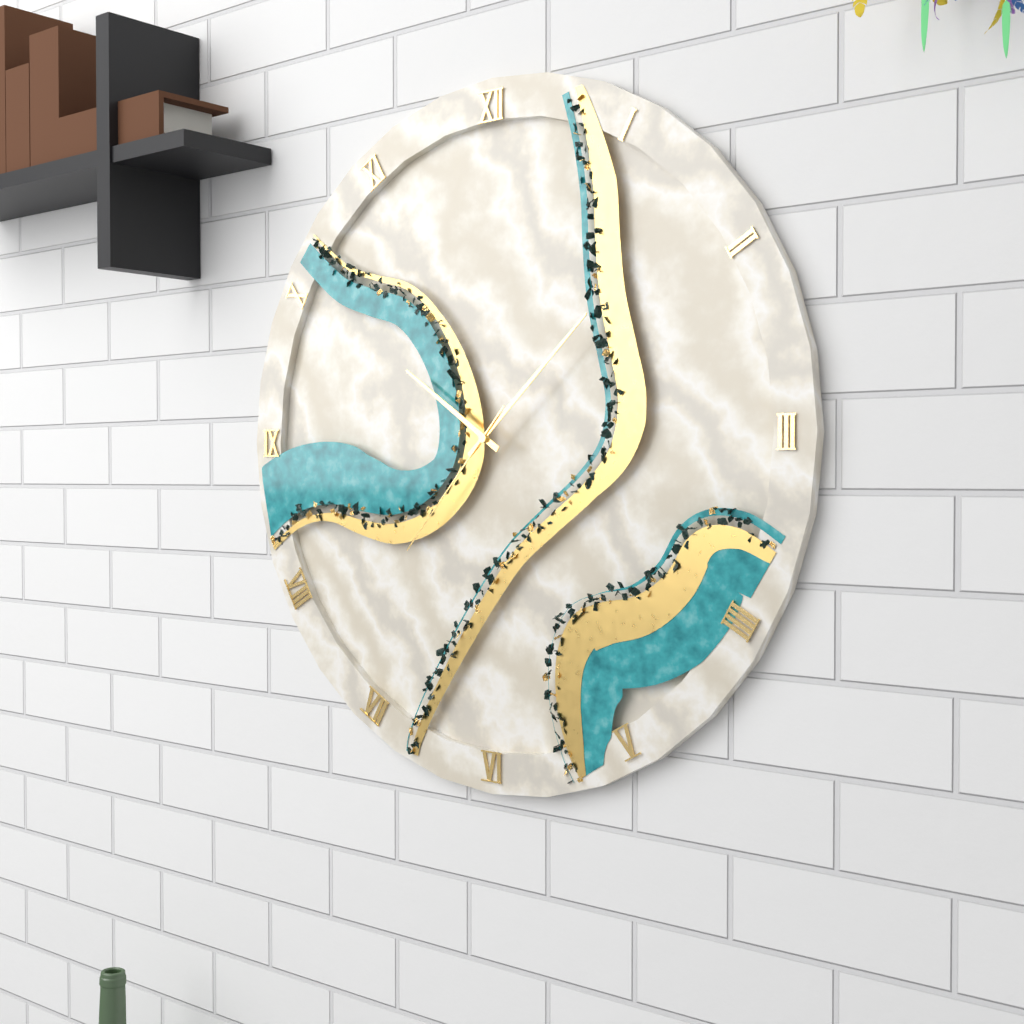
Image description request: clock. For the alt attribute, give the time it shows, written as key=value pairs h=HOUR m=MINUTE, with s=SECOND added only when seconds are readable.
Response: h=10 m=8 s=37
